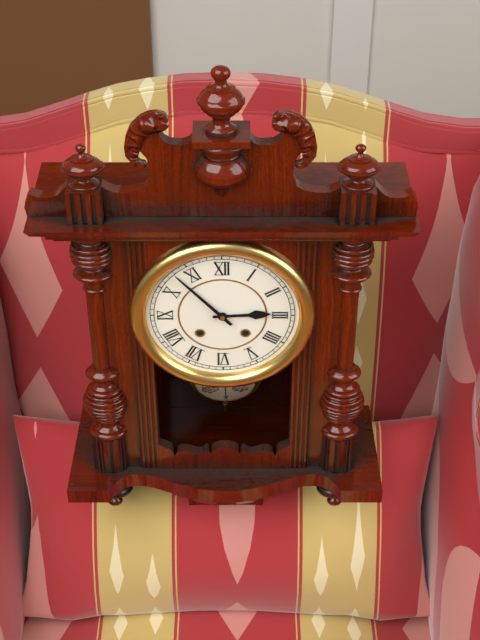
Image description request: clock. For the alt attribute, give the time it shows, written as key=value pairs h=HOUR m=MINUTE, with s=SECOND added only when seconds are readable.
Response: h=2 m=53
